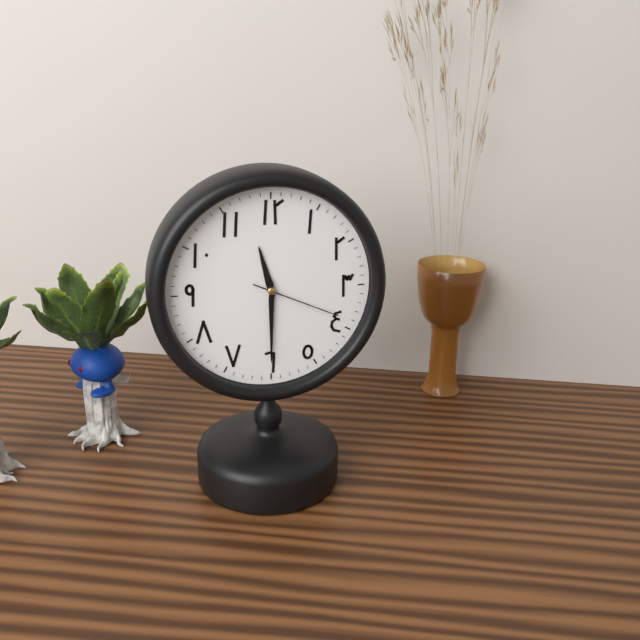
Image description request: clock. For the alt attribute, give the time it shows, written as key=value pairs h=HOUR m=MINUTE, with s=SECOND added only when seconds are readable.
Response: h=11 m=30 s=19
